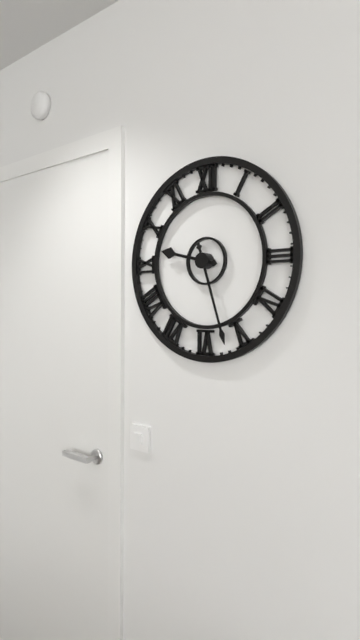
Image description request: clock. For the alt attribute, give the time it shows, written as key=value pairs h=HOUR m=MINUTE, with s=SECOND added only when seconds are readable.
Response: h=9 m=27
